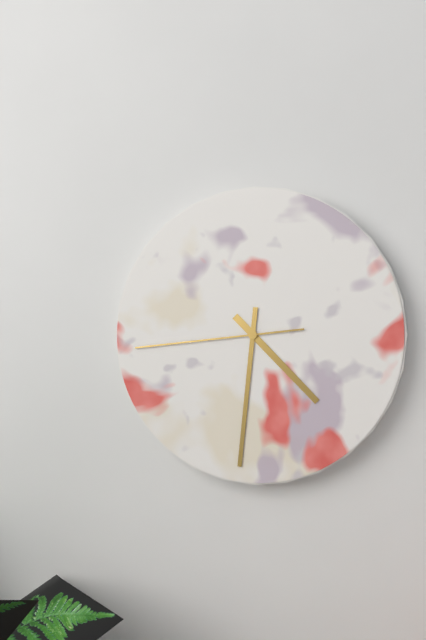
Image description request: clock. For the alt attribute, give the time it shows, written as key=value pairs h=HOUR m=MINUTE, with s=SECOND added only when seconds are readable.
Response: h=4 m=31 s=44
